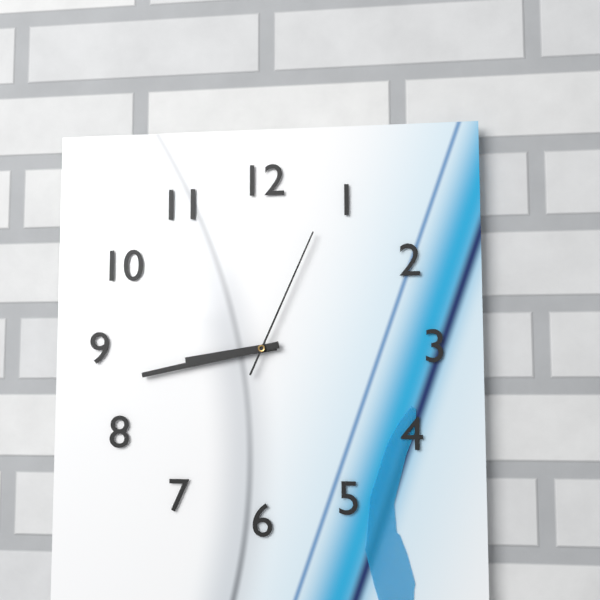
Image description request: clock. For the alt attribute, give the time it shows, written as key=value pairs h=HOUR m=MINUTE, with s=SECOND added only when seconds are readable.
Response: h=8 m=43 s=4
